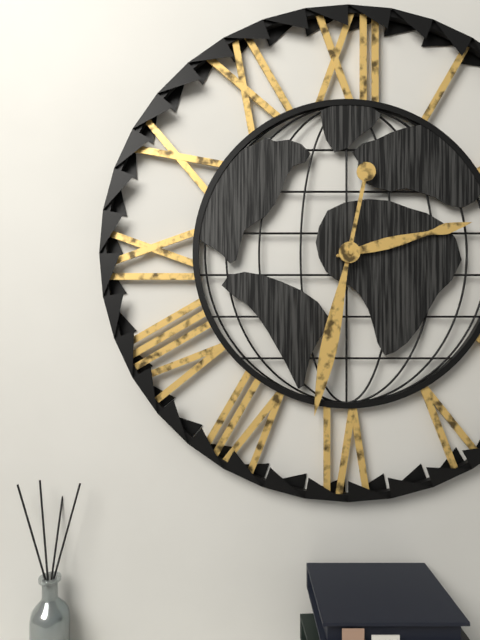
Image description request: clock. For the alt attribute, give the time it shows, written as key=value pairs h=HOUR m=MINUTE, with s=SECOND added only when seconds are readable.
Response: h=2 m=32
